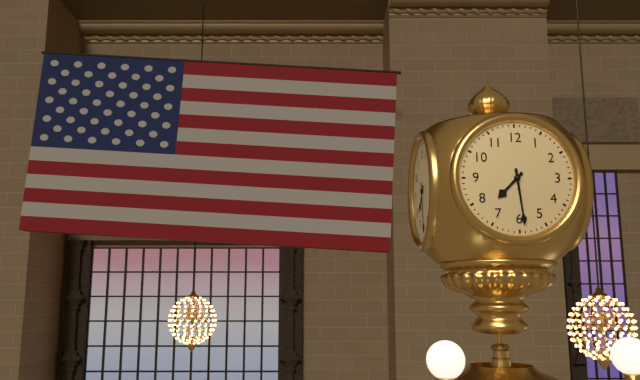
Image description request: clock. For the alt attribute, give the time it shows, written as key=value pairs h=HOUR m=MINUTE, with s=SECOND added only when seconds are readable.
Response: h=7 m=29
